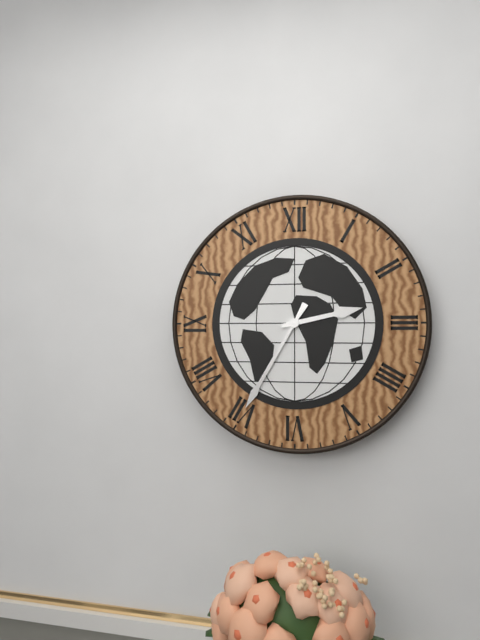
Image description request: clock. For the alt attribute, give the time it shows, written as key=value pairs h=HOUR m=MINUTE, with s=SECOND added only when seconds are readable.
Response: h=2 m=35
